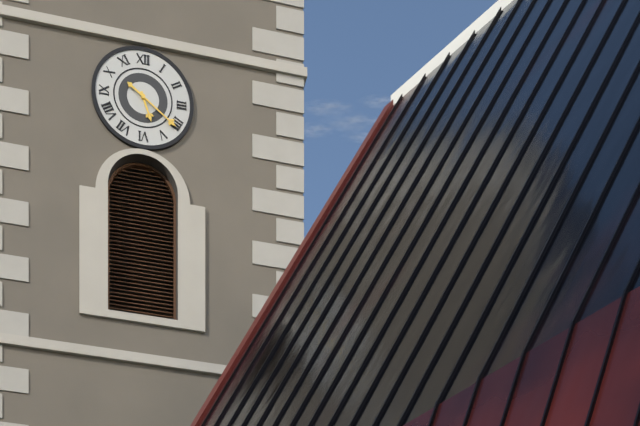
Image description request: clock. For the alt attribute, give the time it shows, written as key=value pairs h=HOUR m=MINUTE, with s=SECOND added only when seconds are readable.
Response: h=5 m=21
